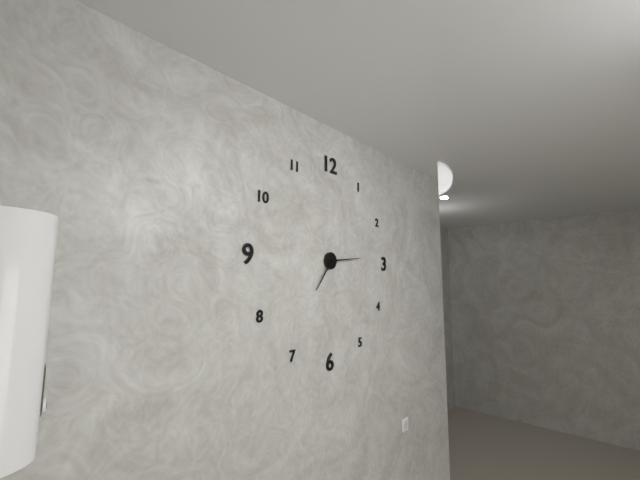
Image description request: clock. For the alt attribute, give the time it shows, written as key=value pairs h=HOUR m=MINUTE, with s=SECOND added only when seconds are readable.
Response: h=7 m=14
